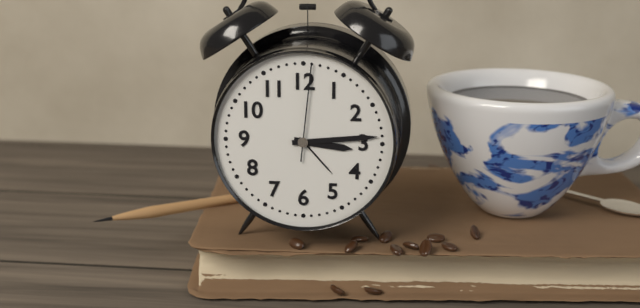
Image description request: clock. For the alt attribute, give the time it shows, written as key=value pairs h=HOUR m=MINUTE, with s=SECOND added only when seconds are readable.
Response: h=3 m=14 s=1
